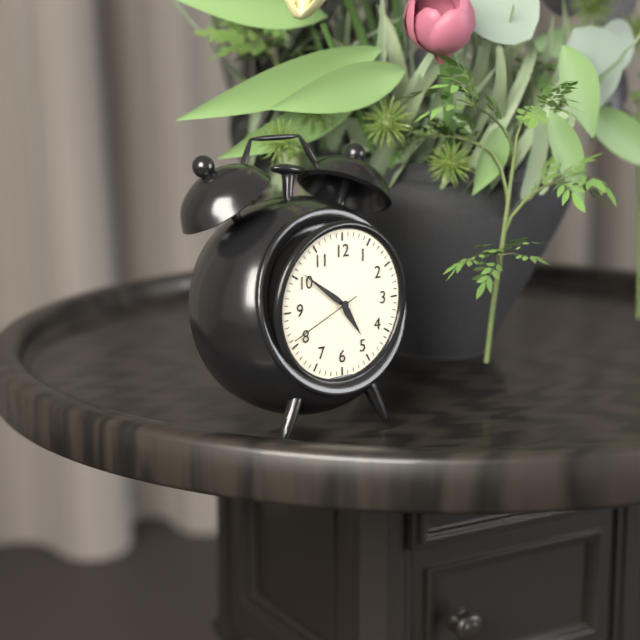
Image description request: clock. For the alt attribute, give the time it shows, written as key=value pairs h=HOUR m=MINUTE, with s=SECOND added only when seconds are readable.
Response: h=4 m=51 s=41
